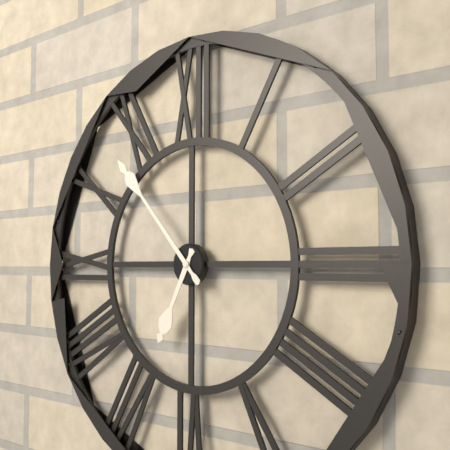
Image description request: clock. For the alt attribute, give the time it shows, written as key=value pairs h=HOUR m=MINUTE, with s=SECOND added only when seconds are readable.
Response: h=6 m=53
